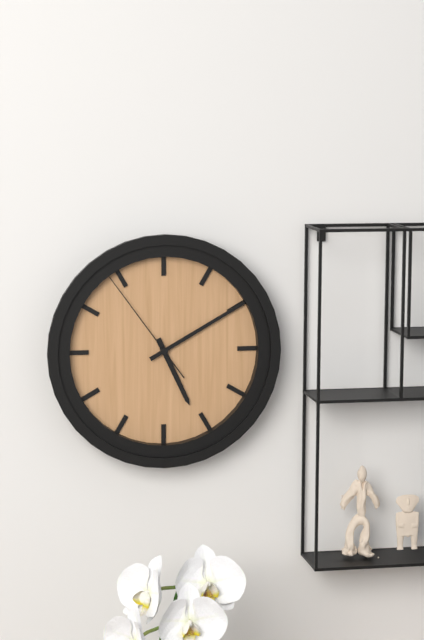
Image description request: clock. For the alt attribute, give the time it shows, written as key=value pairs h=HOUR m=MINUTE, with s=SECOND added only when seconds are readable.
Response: h=5 m=10 s=54
